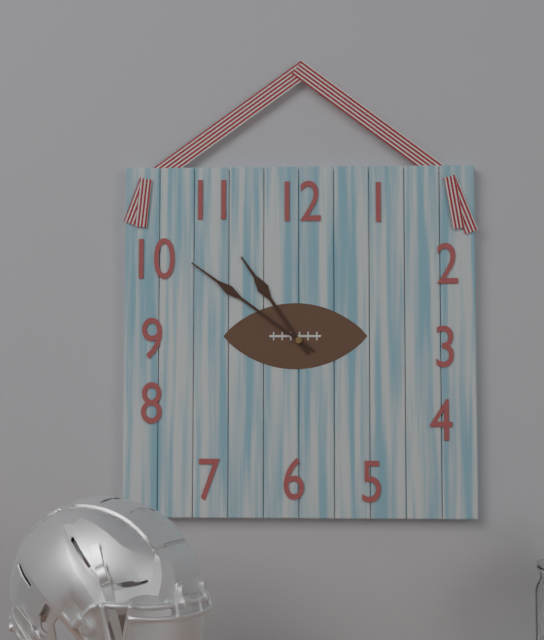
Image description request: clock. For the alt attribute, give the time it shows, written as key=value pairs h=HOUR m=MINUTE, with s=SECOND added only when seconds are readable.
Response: h=10 m=51
